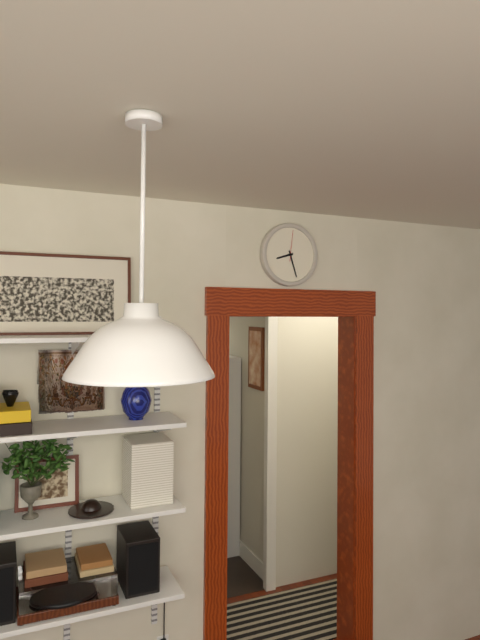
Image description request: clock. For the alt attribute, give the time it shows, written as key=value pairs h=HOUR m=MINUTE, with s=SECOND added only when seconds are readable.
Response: h=8 m=27
